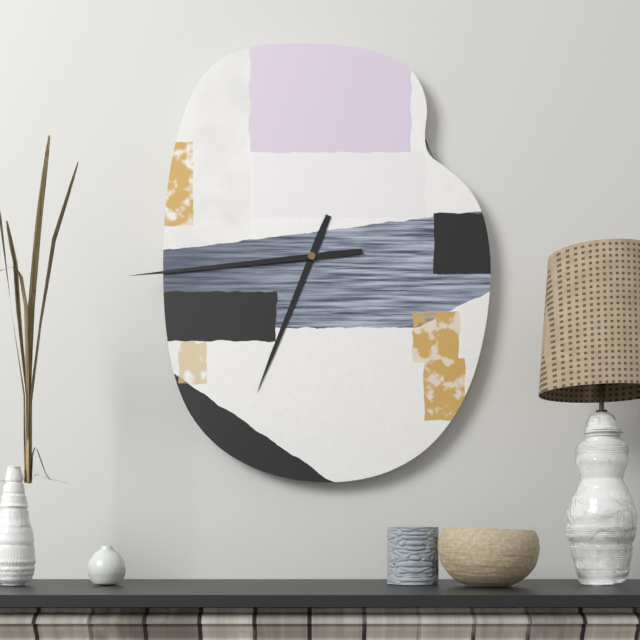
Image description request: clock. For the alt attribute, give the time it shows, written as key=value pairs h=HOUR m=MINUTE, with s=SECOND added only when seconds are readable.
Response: h=6 m=44
